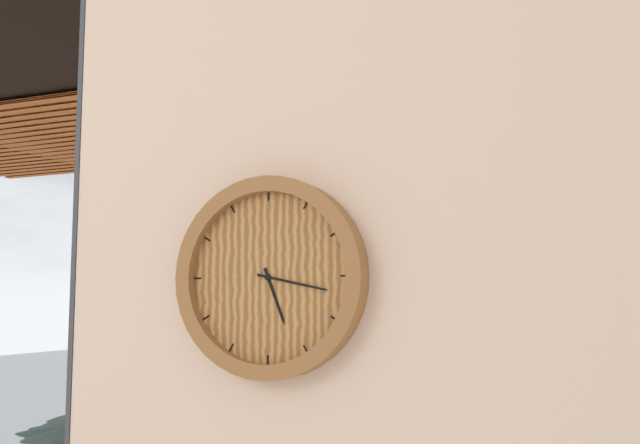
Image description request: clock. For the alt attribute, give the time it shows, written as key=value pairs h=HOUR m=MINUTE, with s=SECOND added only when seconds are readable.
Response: h=5 m=17
